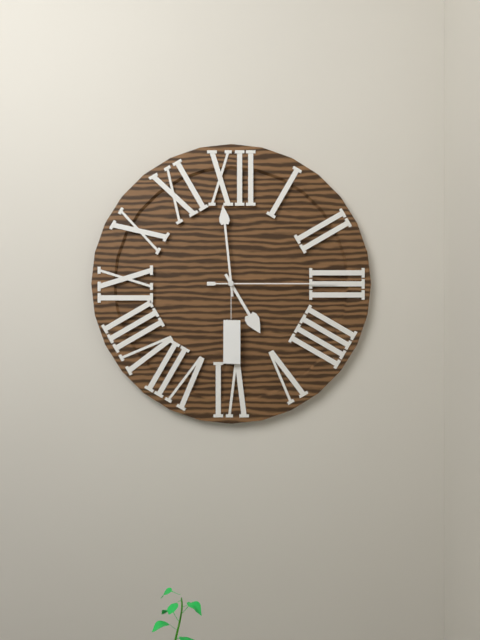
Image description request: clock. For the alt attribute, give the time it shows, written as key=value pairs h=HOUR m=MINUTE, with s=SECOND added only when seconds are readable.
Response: h=4 m=59 s=15
